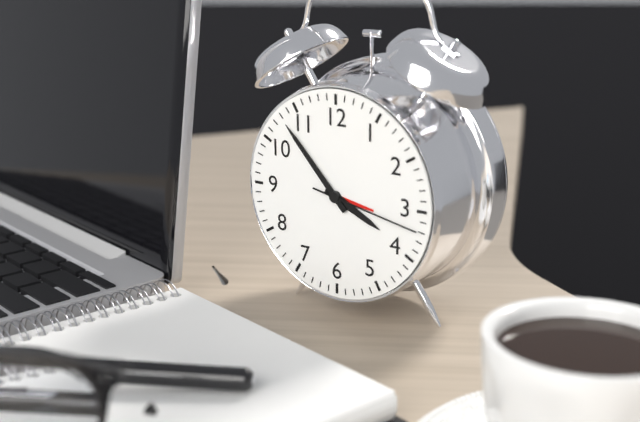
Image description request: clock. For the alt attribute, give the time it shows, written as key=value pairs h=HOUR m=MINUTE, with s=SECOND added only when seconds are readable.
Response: h=3 m=53 s=17
